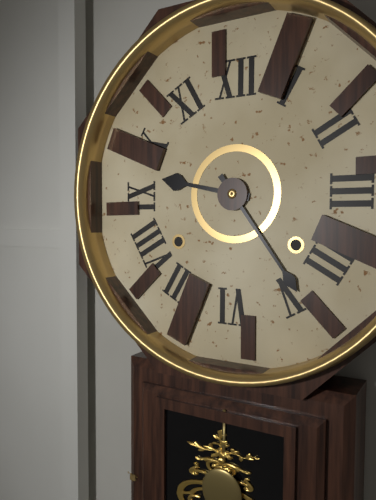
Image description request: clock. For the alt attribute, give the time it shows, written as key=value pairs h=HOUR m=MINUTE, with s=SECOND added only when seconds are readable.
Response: h=9 m=24
